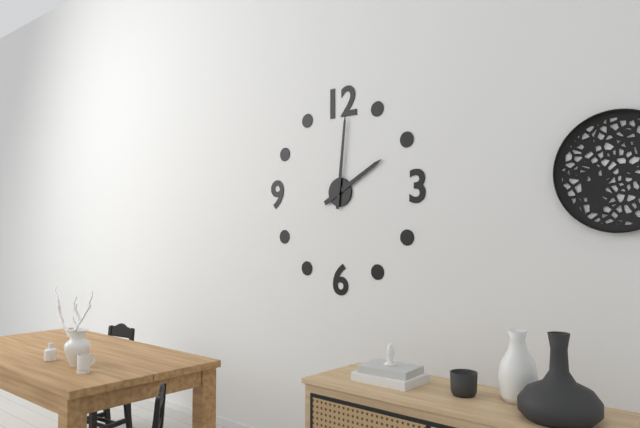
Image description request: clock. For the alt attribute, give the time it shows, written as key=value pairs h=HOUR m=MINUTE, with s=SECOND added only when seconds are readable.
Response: h=2 m=1
